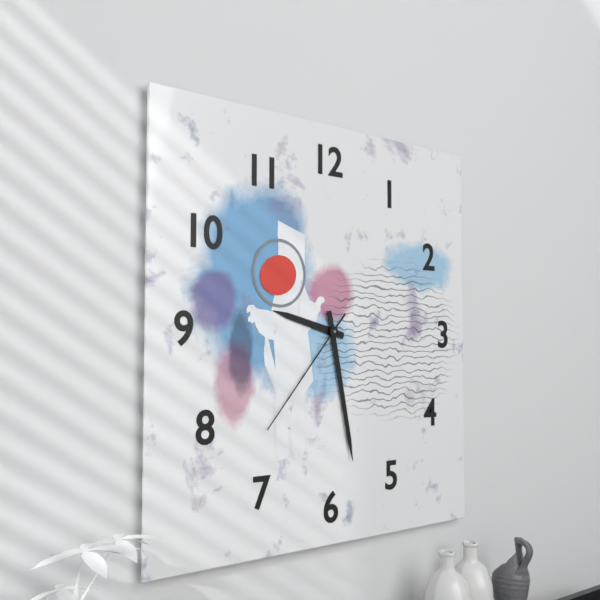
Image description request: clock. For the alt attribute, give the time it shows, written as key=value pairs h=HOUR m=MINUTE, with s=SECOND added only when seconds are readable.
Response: h=9 m=28 s=37
